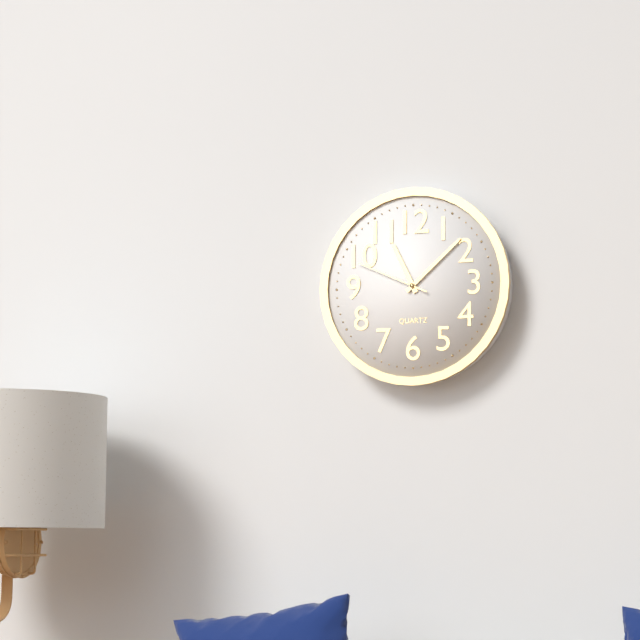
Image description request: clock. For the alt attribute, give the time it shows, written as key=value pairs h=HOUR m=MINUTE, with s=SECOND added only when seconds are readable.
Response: h=11 m=8 s=49
